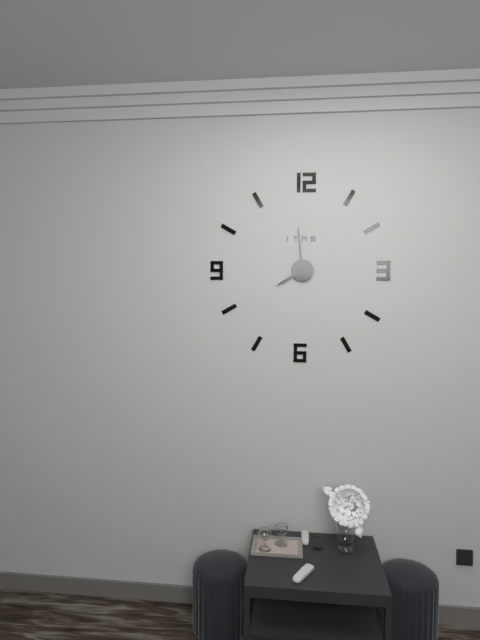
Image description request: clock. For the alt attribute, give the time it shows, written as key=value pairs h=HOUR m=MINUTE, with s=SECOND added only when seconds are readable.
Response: h=7 m=59
